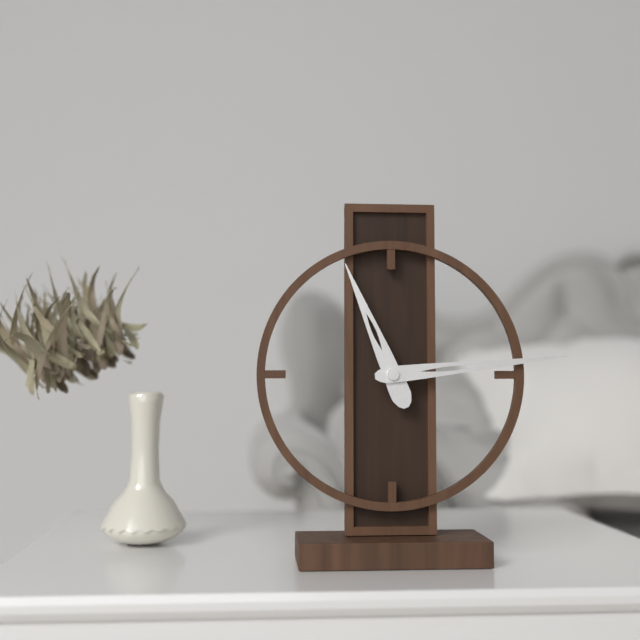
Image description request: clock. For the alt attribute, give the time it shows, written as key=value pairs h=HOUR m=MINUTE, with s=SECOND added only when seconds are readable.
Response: h=11 m=14
